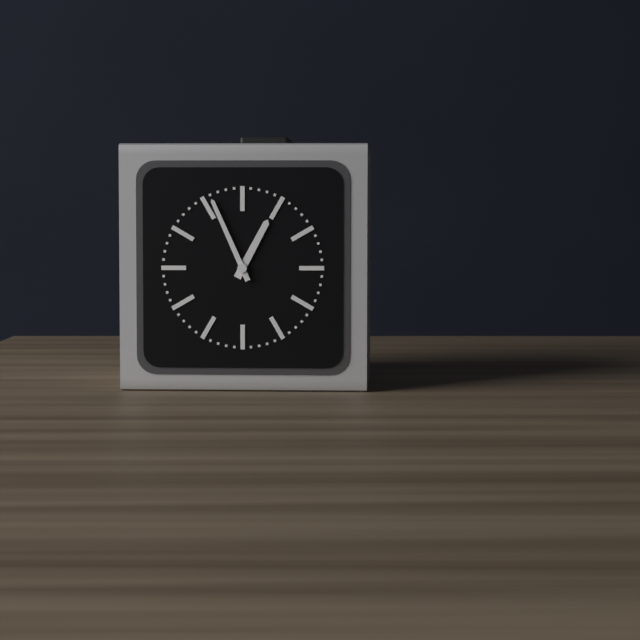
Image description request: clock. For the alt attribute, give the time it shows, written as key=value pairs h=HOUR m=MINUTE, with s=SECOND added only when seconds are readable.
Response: h=12 m=56
